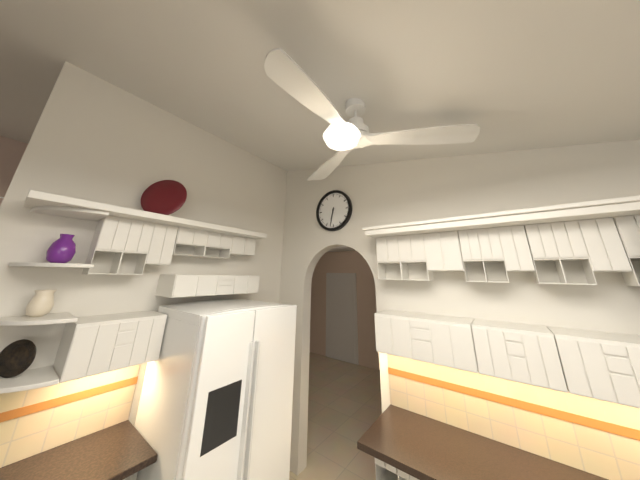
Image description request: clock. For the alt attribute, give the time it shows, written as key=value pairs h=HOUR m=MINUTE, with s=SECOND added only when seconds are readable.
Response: h=6 m=32
